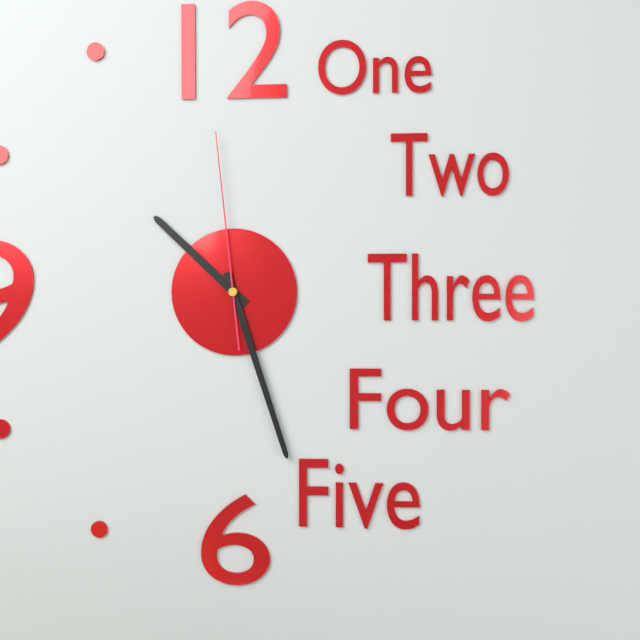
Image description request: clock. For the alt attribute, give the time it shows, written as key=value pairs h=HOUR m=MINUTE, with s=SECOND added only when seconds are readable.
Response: h=10 m=27 s=59
